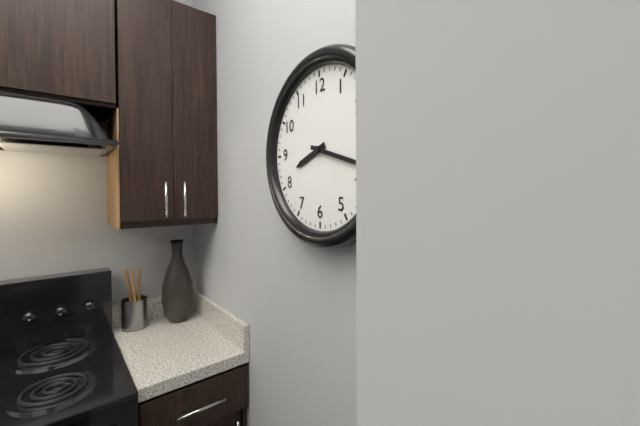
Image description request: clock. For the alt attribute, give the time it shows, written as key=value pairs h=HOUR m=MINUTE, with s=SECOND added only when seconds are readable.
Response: h=8 m=18
